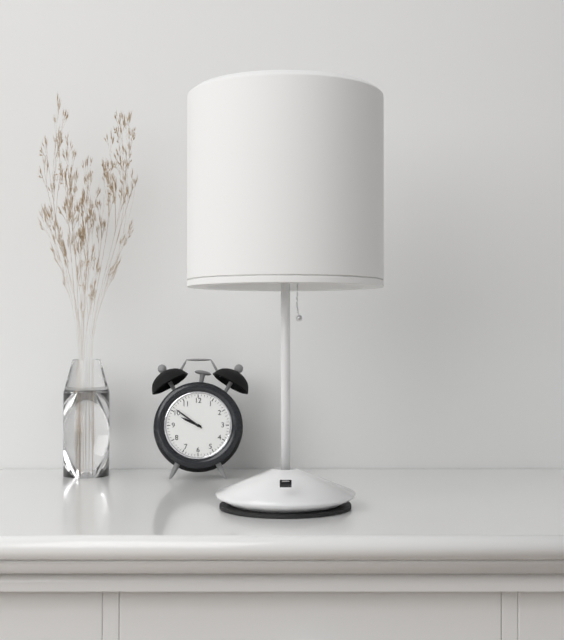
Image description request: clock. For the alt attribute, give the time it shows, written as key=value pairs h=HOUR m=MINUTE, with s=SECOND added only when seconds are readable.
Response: h=9 m=51
